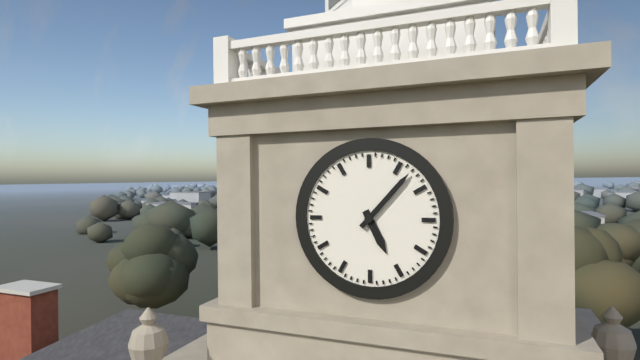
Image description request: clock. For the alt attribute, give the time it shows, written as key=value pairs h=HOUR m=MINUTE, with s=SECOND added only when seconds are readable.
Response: h=5 m=7
